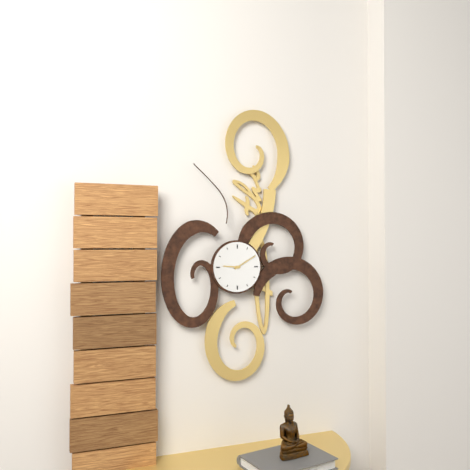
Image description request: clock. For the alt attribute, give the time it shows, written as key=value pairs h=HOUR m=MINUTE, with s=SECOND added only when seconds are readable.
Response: h=9 m=10
